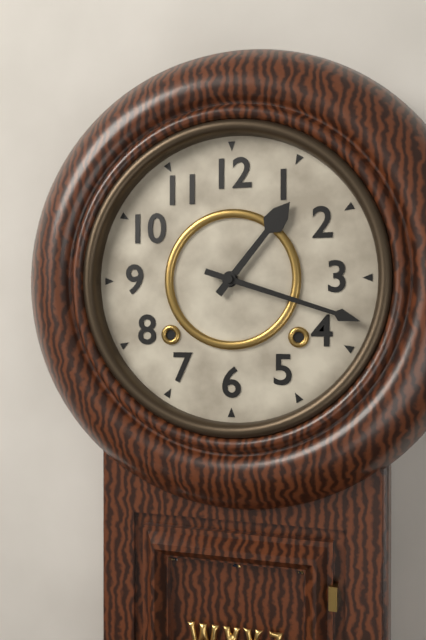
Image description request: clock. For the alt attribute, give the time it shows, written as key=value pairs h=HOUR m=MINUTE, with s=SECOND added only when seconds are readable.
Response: h=1 m=18
